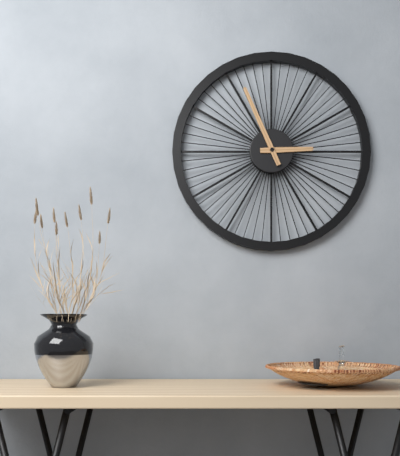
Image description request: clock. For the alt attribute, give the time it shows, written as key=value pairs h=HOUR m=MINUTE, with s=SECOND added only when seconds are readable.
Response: h=2 m=56
